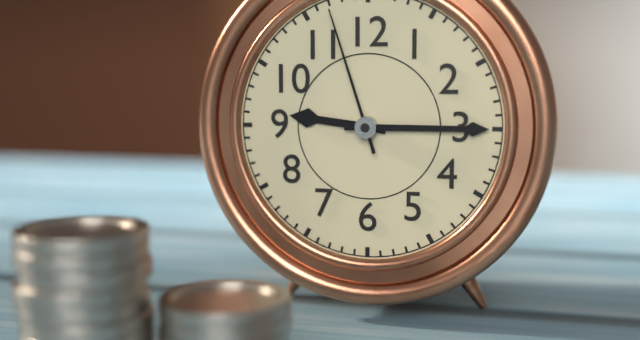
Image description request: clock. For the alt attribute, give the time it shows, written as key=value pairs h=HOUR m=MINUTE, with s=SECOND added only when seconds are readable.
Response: h=9 m=15 s=57
